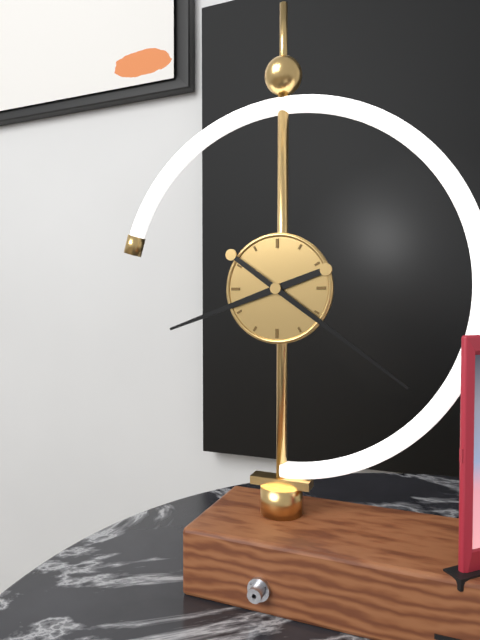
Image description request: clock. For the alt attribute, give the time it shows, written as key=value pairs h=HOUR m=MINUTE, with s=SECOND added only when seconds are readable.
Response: h=8 m=21
